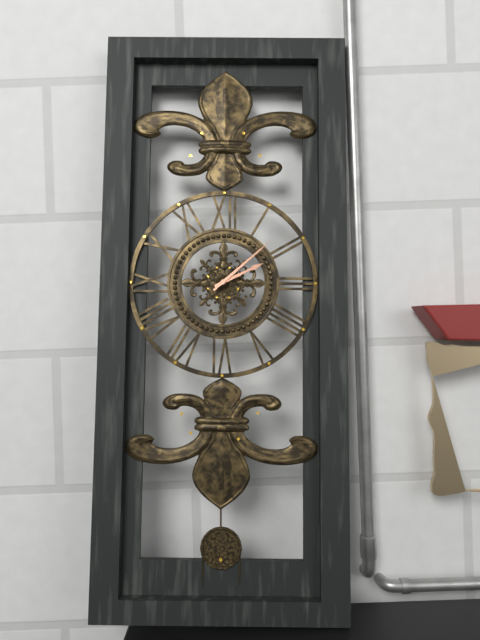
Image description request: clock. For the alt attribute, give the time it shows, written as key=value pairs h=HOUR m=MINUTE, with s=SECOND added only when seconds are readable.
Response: h=2 m=8
